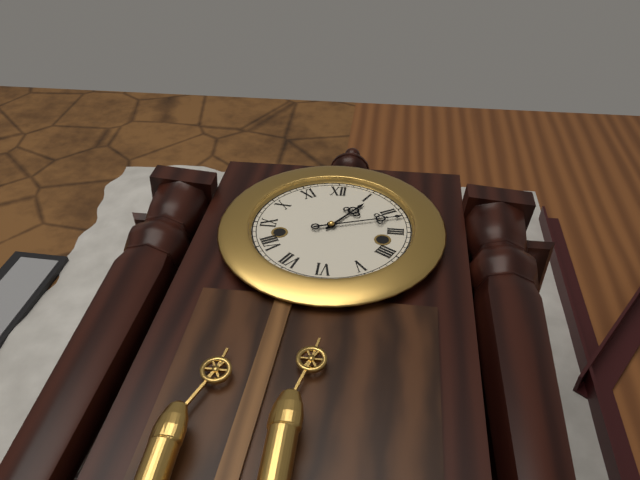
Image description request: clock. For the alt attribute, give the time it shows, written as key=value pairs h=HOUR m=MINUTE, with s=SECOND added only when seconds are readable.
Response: h=1 m=12
